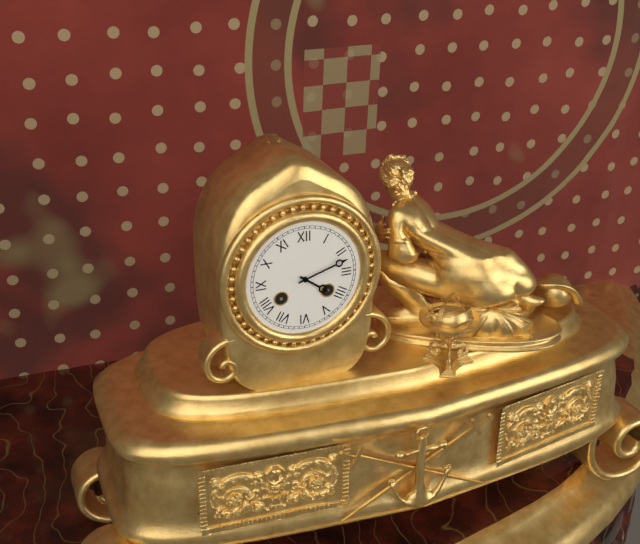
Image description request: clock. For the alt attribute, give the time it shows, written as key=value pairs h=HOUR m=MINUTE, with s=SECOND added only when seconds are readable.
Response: h=4 m=12
